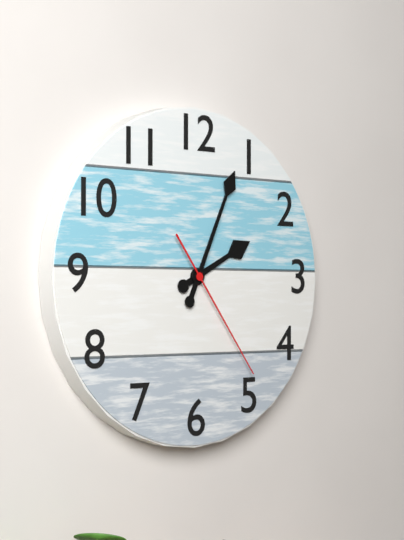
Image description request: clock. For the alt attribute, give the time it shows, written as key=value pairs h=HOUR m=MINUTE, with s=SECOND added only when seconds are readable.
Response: h=2 m=4 s=24
